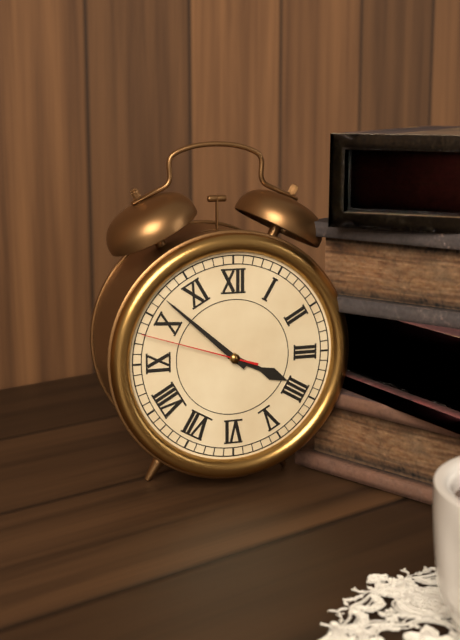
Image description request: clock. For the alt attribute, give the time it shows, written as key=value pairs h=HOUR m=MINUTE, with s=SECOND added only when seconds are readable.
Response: h=3 m=52 s=48
